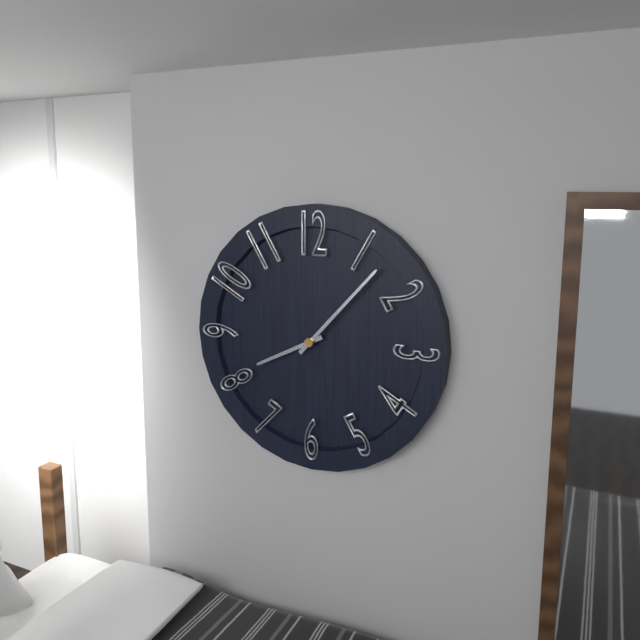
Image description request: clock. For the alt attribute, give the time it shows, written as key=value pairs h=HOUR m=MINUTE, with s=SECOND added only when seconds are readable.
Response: h=8 m=7
